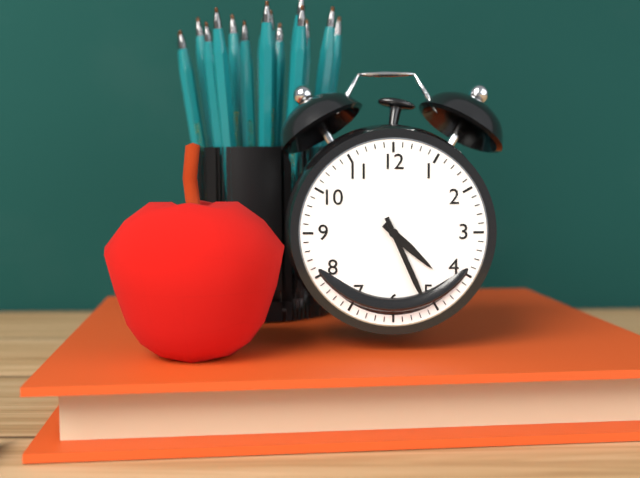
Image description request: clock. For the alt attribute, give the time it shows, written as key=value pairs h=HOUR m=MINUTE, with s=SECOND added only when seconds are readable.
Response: h=4 m=26
